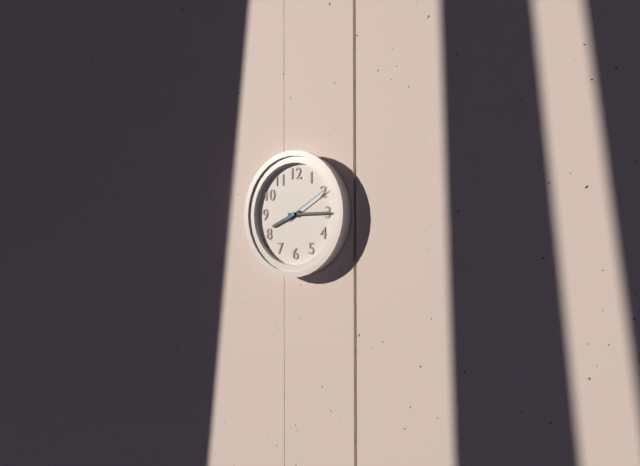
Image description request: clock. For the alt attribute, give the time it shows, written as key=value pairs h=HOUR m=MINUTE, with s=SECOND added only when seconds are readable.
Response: h=8 m=15 s=10
